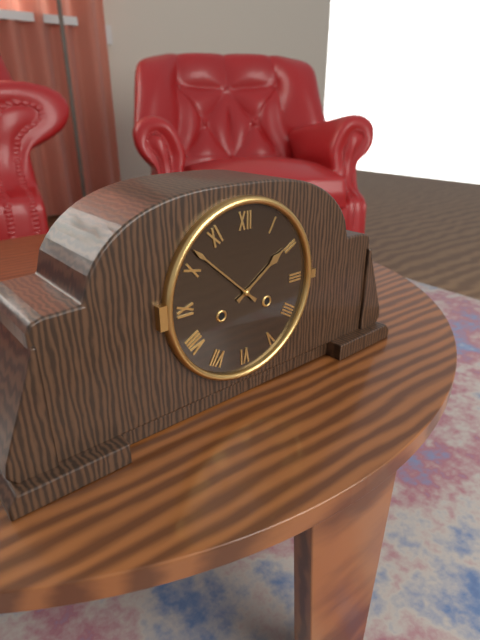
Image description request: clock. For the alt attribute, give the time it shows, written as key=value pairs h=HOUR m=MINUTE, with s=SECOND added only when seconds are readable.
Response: h=1 m=52
